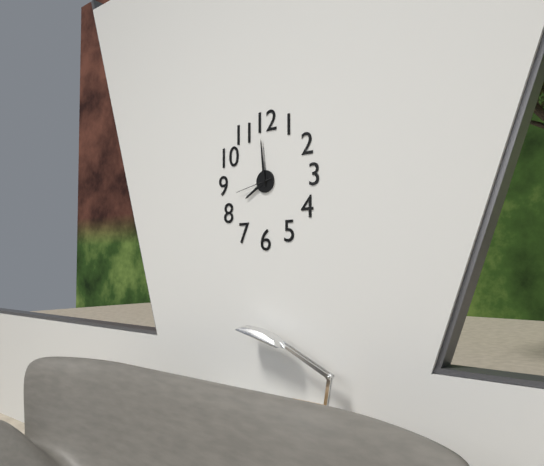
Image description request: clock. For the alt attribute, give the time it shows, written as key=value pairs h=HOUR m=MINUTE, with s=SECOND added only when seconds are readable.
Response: h=7 m=59
